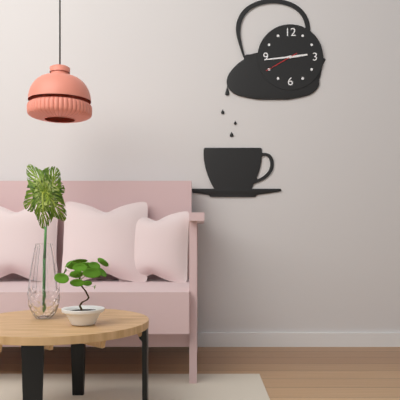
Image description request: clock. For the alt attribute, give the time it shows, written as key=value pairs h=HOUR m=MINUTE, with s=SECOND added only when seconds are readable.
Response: h=2 m=44
